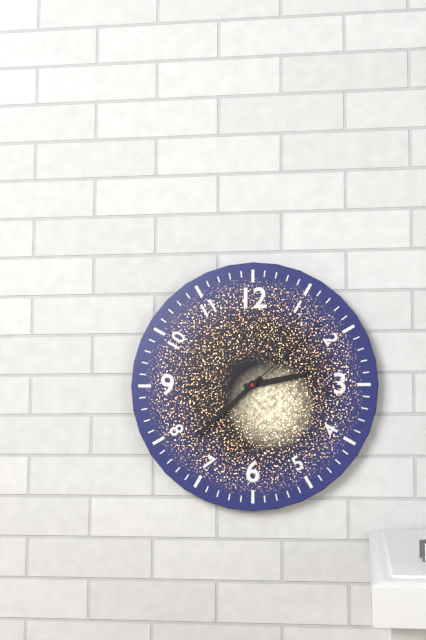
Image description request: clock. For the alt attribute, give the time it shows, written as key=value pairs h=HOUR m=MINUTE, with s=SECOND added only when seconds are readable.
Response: h=2 m=38 s=8
